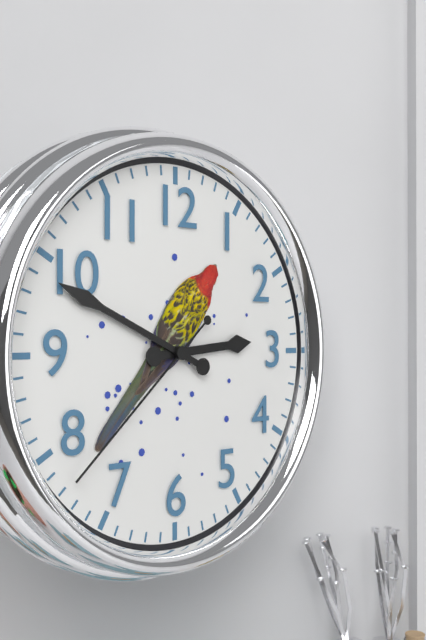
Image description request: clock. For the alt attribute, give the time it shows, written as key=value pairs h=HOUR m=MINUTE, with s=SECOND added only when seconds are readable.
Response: h=2 m=49 s=38
